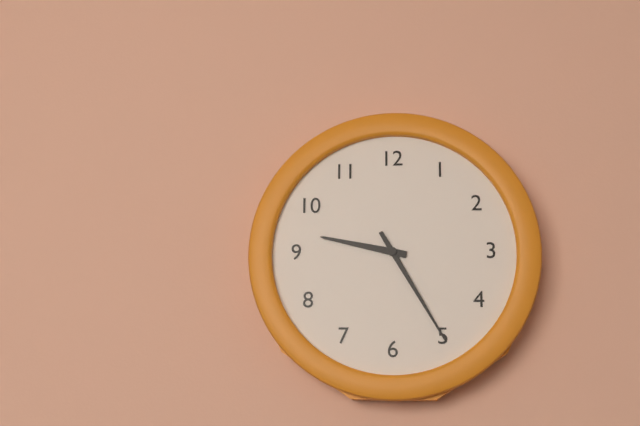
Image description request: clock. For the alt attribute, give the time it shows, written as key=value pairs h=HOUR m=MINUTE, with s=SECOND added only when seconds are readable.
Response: h=9 m=25
